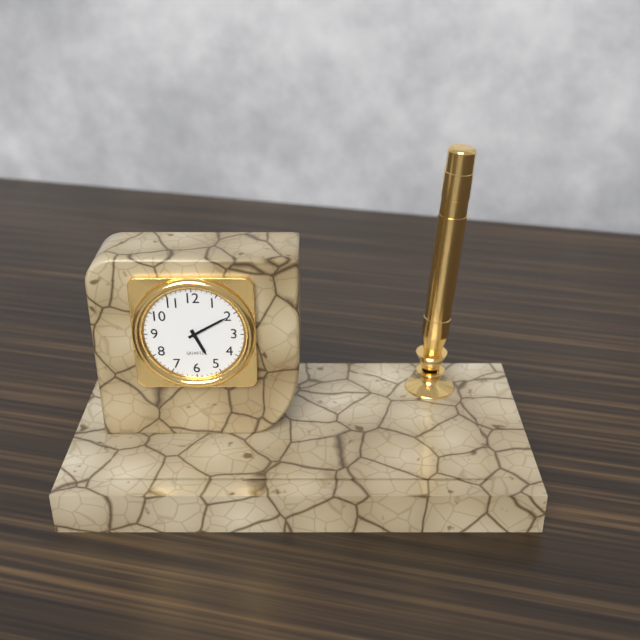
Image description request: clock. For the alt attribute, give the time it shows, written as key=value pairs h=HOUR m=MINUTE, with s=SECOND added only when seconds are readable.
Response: h=5 m=10
